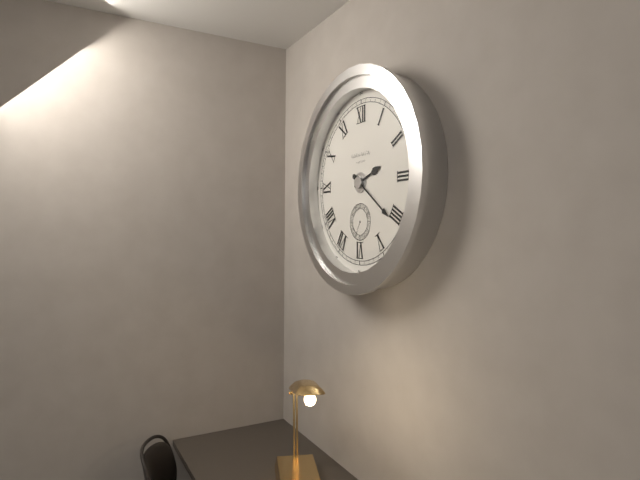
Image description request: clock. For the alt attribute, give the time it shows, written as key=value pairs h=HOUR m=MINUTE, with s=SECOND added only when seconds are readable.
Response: h=2 m=21
